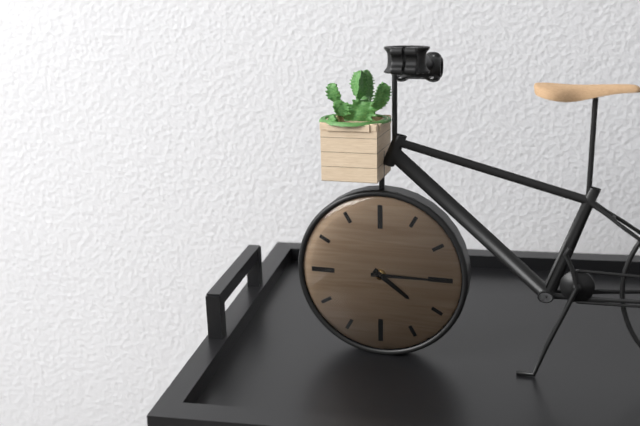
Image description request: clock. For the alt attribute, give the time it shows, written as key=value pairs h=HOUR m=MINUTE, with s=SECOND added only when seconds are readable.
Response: h=4 m=15
